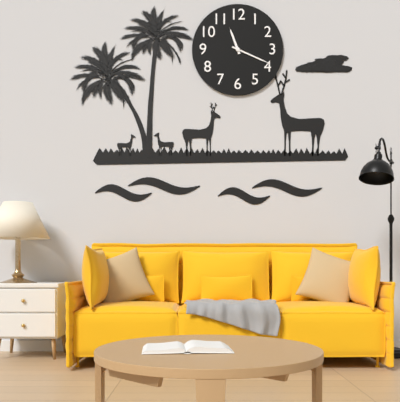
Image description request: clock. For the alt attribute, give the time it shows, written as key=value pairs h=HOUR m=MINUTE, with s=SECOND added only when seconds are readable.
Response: h=11 m=19
